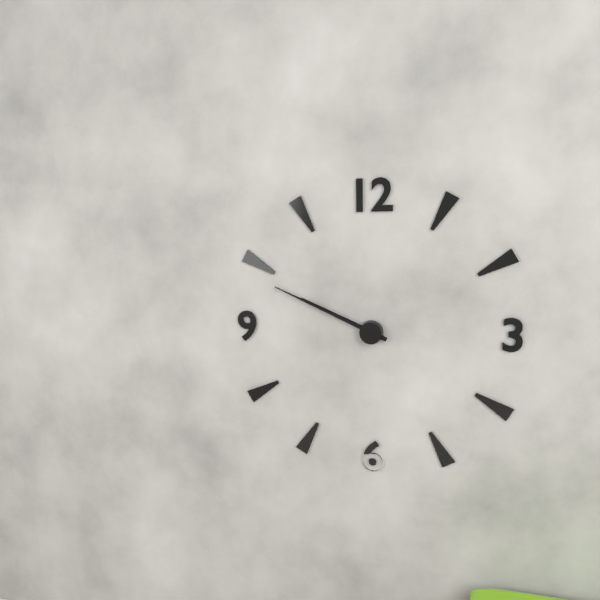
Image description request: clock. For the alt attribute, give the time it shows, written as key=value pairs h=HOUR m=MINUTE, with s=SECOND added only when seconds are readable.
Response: h=9 m=49
